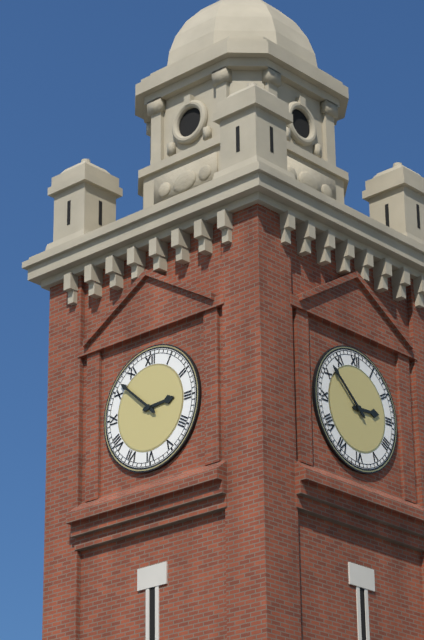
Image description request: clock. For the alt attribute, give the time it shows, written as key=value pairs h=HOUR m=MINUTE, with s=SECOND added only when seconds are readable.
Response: h=2 m=52
